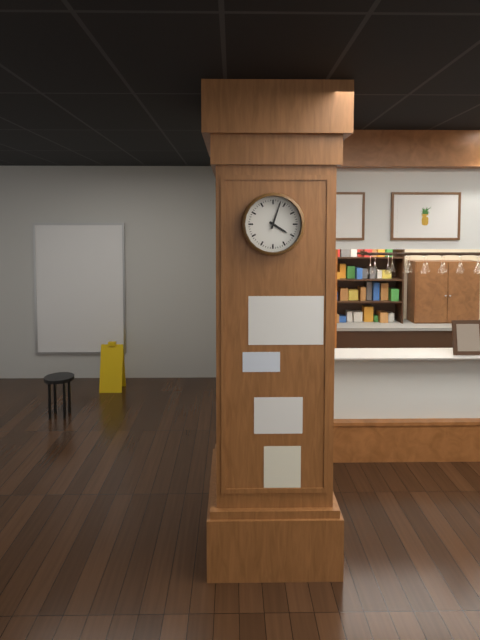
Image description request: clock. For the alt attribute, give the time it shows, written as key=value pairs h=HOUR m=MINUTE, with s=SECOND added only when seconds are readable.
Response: h=4 m=3
